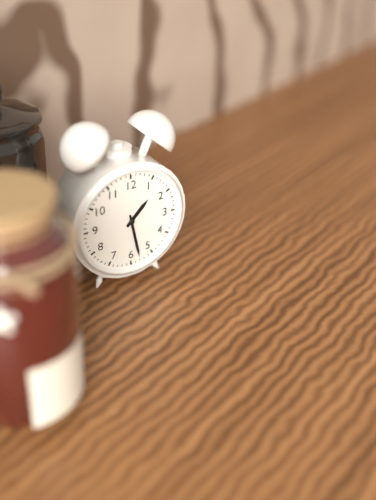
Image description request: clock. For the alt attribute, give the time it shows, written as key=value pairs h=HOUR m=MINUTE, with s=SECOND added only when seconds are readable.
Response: h=1 m=28
